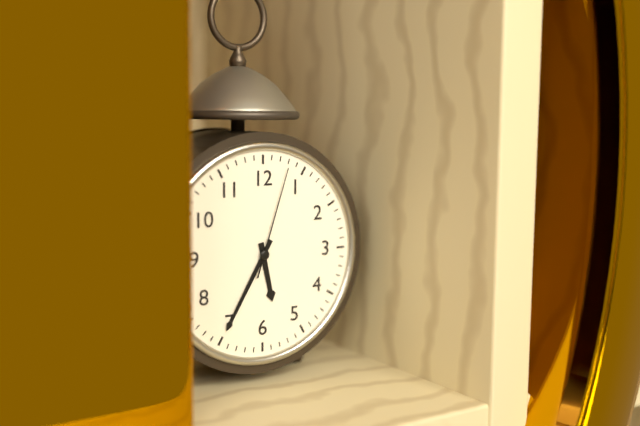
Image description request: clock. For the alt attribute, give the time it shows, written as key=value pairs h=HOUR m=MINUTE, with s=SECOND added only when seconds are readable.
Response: h=5 m=35 s=3
